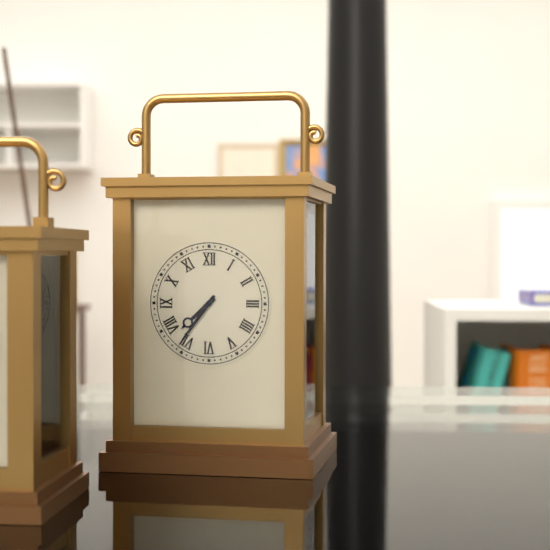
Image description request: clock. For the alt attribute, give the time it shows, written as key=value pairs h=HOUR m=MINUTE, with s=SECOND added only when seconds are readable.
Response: h=7 m=36
